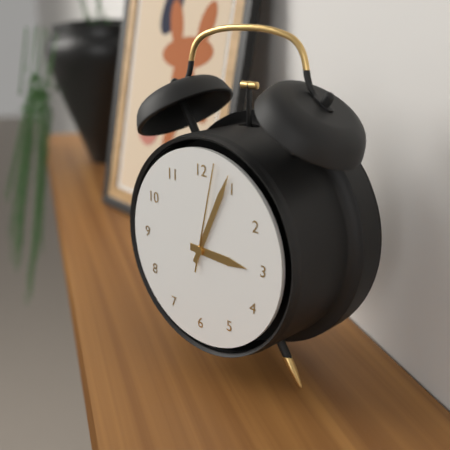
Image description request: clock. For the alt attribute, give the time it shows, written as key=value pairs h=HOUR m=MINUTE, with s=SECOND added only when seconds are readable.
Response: h=3 m=4 s=2
